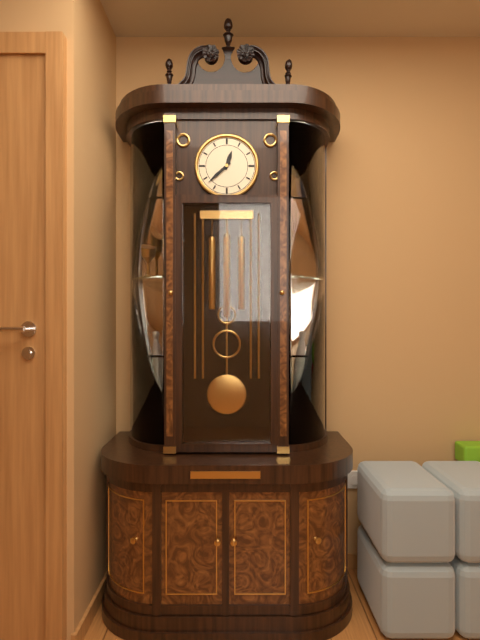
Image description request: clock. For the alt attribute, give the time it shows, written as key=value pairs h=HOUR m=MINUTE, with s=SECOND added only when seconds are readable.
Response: h=12 m=38
